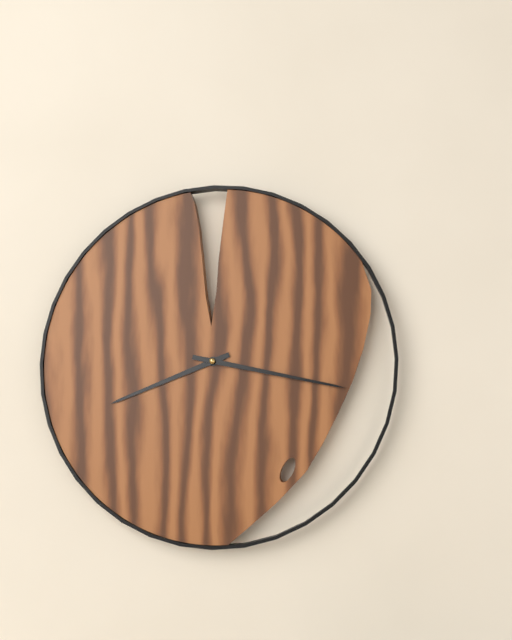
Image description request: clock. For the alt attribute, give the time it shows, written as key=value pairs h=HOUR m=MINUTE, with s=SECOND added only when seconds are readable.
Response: h=8 m=17
